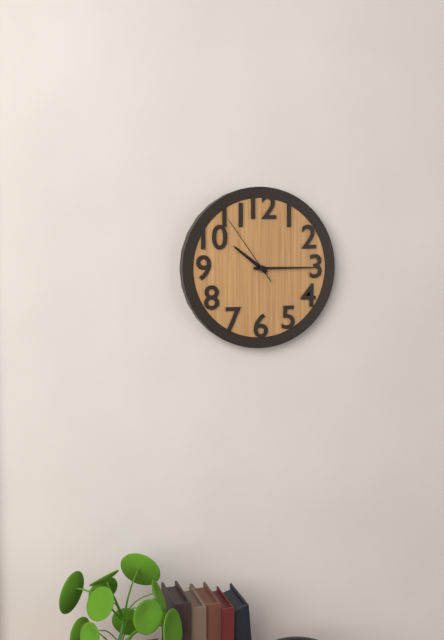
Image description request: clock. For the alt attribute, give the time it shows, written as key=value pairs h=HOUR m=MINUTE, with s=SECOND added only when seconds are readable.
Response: h=10 m=15 s=54
